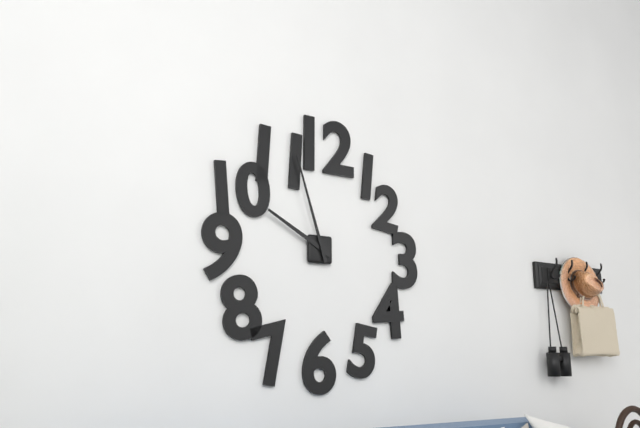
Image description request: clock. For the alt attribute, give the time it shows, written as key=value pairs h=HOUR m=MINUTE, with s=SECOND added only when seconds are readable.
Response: h=9 m=57
